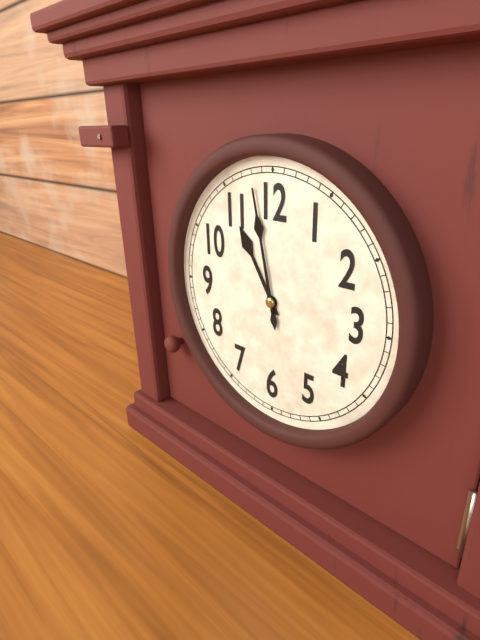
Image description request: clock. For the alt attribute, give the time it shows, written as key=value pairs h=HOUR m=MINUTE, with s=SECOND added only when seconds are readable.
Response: h=10 m=58
